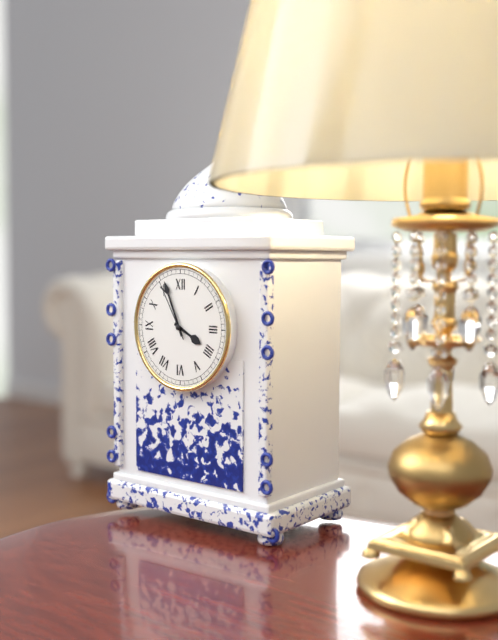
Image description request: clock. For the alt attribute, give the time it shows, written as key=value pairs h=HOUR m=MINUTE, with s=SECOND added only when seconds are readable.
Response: h=3 m=56 s=55
